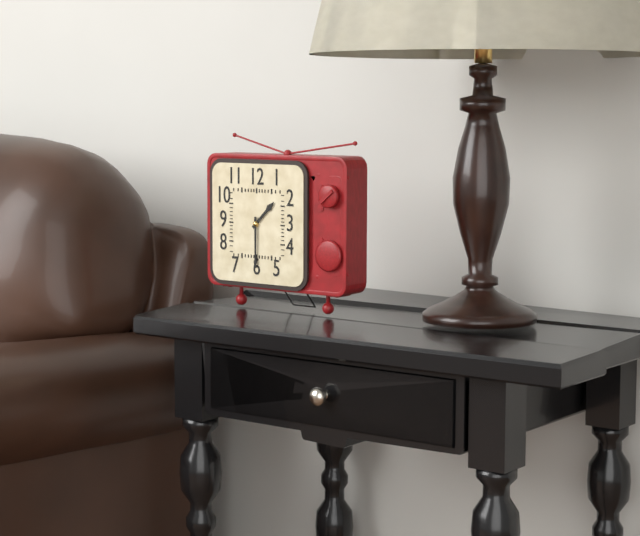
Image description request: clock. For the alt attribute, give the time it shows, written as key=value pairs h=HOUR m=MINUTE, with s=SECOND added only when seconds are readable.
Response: h=1 m=30
